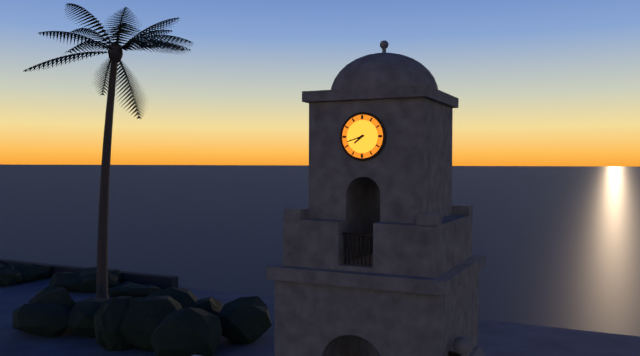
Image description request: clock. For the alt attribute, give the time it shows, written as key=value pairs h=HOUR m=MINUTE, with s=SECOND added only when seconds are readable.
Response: h=7 m=42
